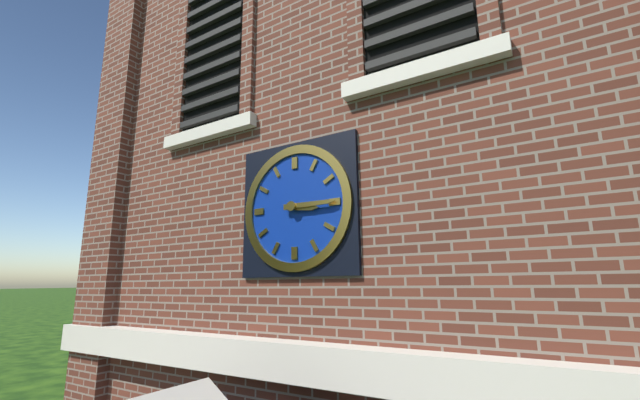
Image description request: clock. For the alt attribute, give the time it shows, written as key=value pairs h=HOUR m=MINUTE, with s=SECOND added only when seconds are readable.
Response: h=3 m=15
